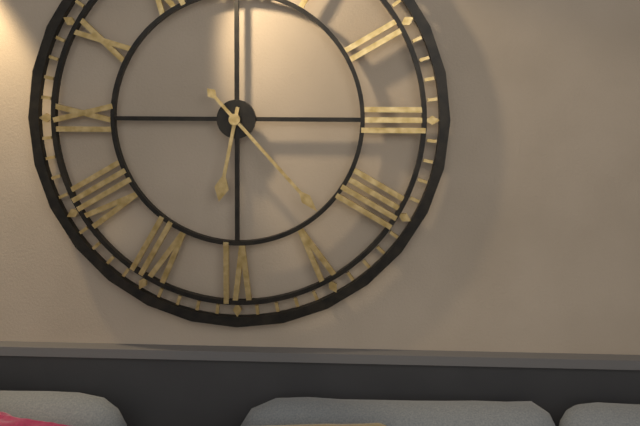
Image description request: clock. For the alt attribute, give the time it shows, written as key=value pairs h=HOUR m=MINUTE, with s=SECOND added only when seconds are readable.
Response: h=6 m=23
